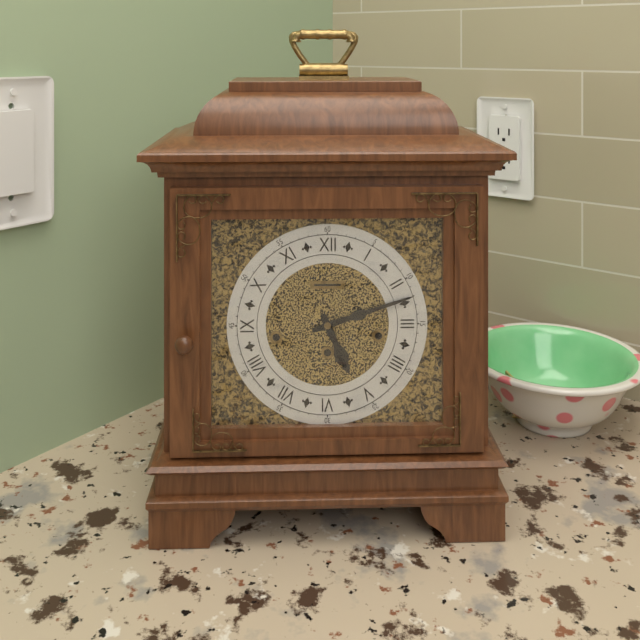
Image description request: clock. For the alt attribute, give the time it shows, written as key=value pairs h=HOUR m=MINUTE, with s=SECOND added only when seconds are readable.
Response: h=5 m=12
